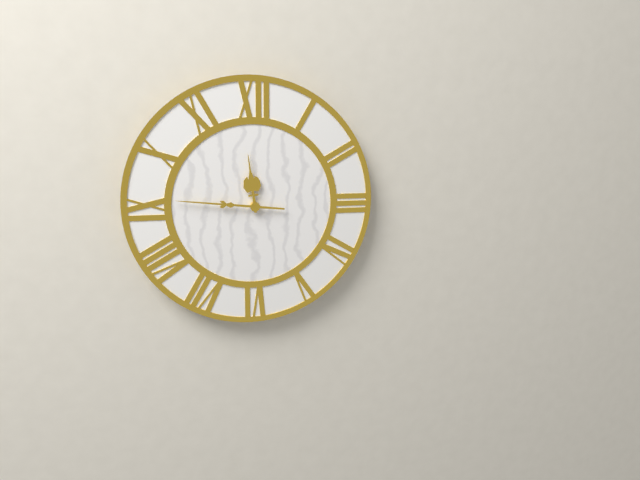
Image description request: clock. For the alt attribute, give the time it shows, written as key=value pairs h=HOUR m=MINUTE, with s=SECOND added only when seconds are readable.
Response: h=11 m=46
